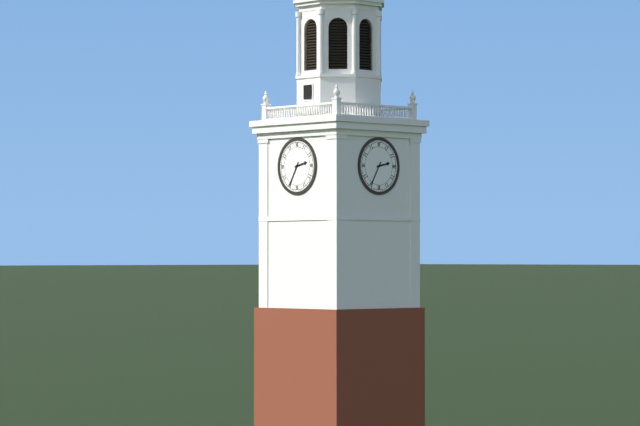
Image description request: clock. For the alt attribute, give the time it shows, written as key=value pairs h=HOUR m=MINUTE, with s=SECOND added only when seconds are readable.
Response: h=2 m=35
